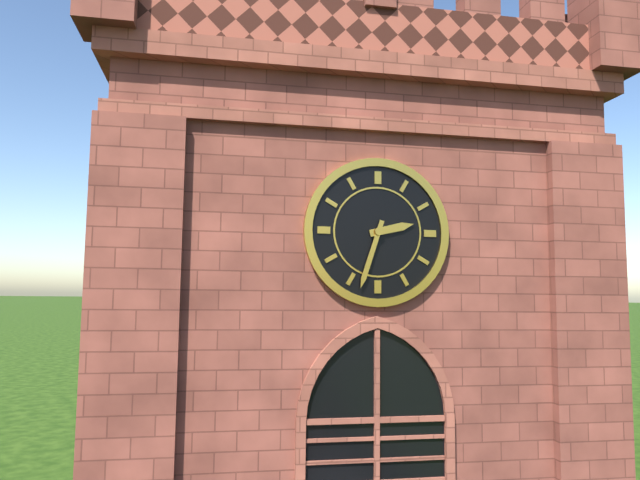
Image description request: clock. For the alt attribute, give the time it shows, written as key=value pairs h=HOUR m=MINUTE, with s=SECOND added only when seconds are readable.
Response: h=2 m=33
